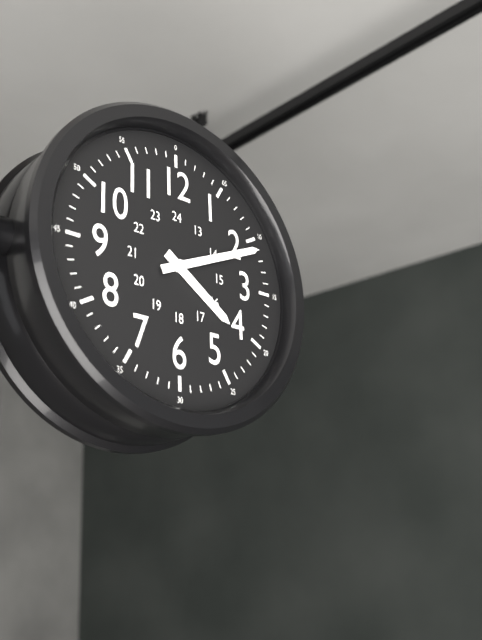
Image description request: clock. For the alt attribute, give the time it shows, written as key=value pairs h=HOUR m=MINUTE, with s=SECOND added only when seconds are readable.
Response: h=4 m=11
